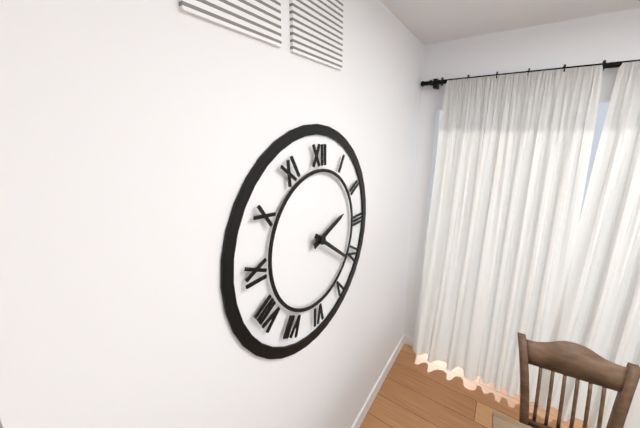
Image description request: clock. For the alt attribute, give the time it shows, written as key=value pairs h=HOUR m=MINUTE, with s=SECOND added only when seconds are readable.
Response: h=2 m=21
